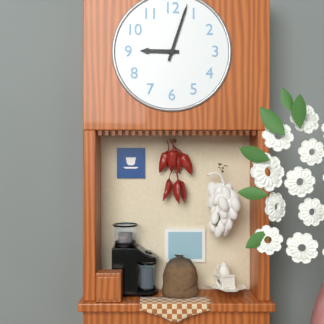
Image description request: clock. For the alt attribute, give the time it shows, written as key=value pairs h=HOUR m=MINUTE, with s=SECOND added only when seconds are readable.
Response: h=9 m=3
